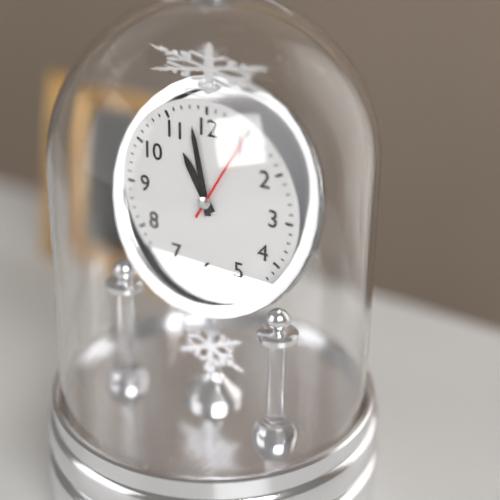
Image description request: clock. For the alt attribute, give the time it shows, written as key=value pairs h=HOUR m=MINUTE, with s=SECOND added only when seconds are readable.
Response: h=10 m=58 s=5
